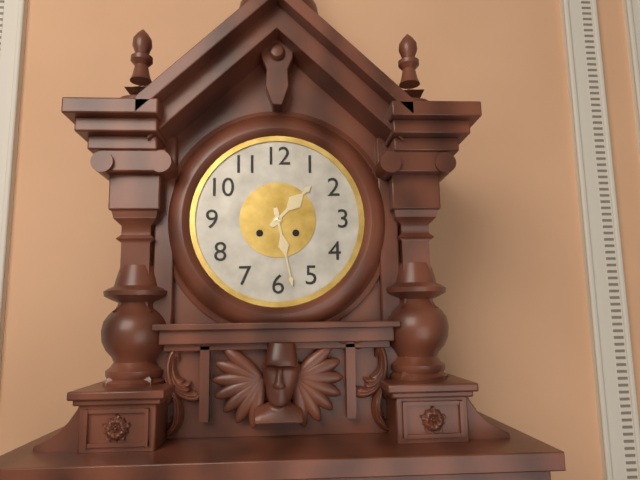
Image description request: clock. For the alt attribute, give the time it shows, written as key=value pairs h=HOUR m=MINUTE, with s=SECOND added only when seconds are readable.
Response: h=1 m=28
